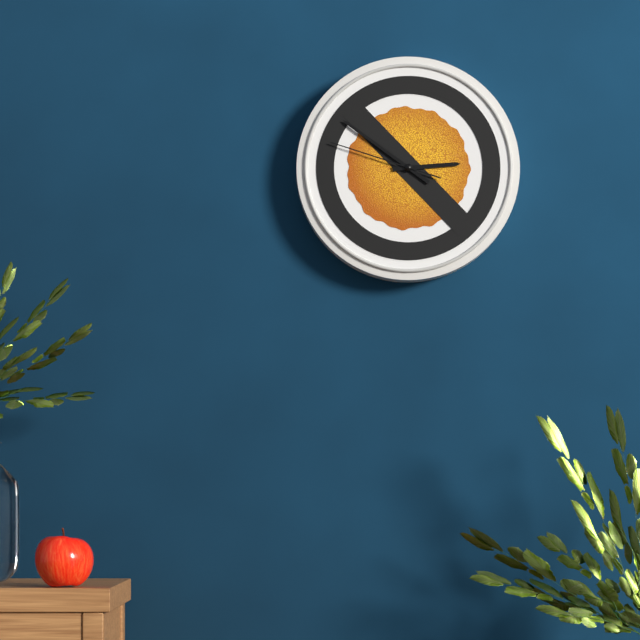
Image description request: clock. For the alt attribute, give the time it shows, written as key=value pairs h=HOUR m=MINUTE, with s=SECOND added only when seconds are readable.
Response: h=2 m=51 s=48
